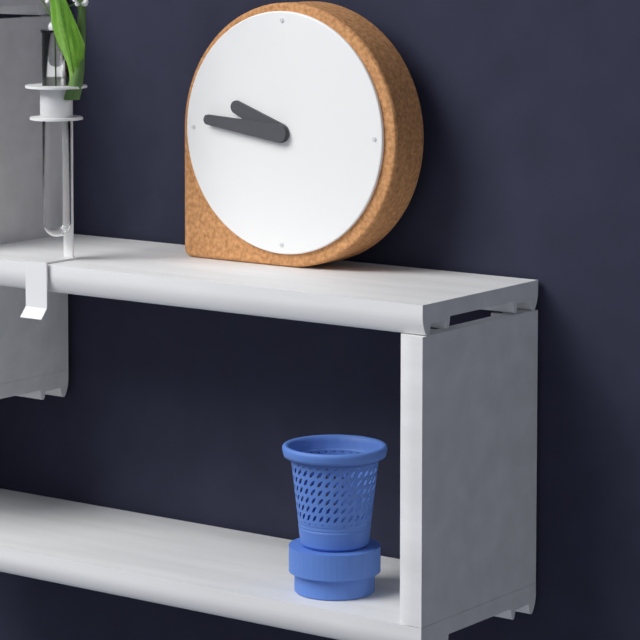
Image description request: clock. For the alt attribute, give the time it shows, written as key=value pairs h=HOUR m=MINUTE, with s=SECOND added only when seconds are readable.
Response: h=9 m=46
